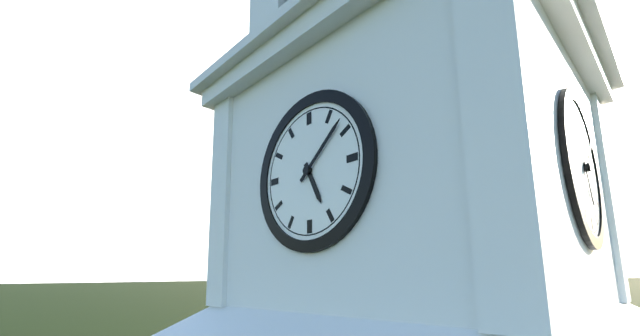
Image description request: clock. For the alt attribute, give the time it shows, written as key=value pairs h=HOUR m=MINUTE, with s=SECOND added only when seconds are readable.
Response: h=5 m=8
